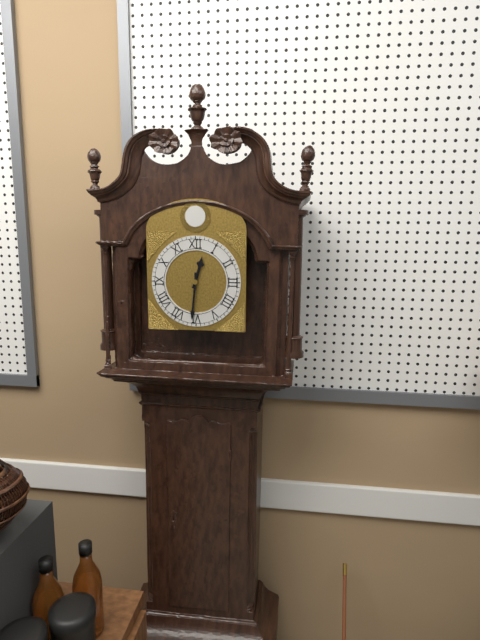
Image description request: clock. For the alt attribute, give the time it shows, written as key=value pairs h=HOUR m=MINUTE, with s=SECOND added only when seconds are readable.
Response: h=12 m=31
